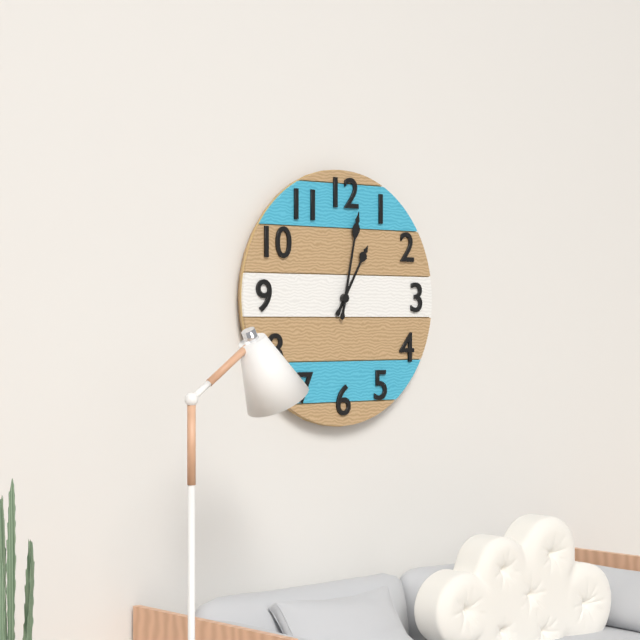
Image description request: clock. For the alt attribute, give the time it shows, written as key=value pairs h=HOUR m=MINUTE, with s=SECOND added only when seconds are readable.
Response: h=1 m=2
